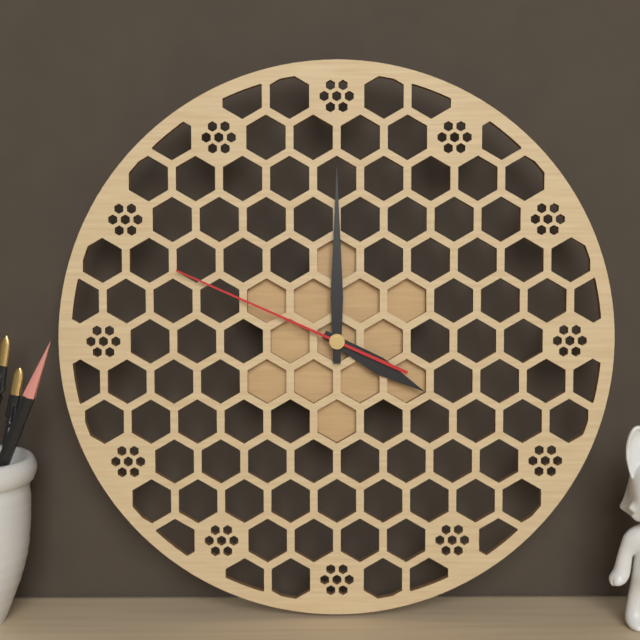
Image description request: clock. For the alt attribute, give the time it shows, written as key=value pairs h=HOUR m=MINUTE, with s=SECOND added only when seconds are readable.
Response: h=4 m=0 s=49
